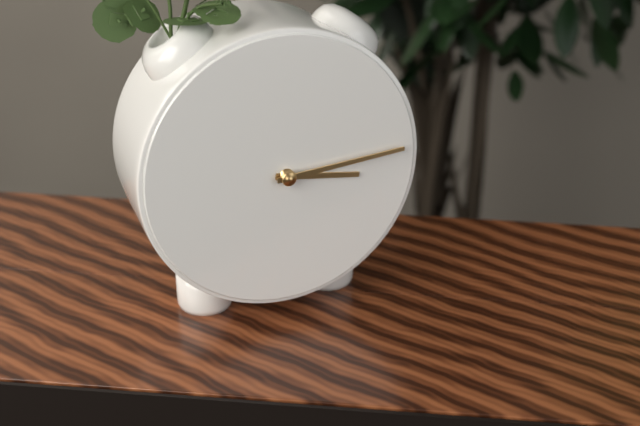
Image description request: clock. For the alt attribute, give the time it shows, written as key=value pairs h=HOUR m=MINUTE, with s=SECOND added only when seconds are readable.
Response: h=3 m=14
